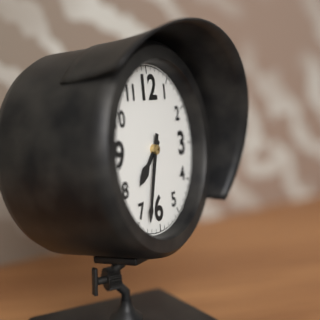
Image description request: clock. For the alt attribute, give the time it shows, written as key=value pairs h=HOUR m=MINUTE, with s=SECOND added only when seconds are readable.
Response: h=7 m=33
